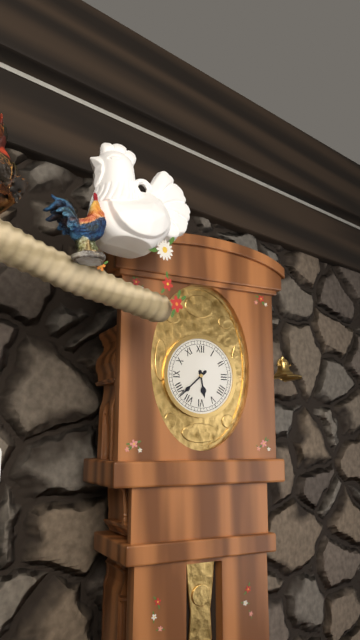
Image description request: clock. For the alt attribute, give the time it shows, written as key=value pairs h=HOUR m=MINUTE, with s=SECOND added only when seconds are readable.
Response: h=5 m=38
